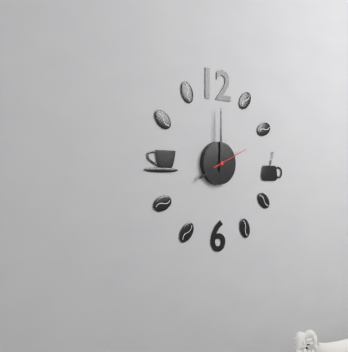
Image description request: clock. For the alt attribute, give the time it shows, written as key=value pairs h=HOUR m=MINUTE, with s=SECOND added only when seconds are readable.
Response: h=8 m=0
